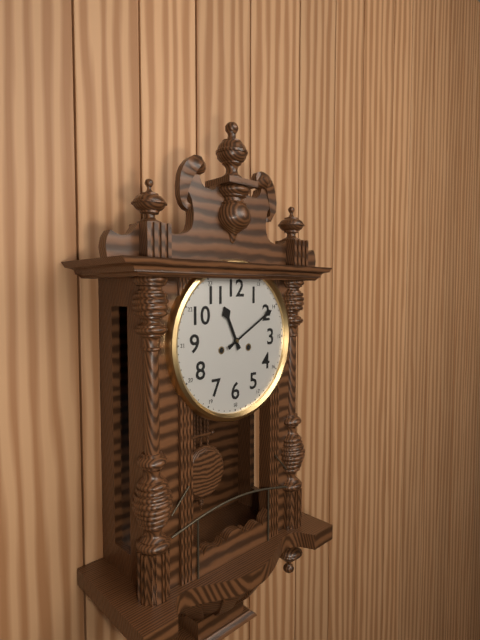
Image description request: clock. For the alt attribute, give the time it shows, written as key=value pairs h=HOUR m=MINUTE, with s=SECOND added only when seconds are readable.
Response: h=11 m=10
